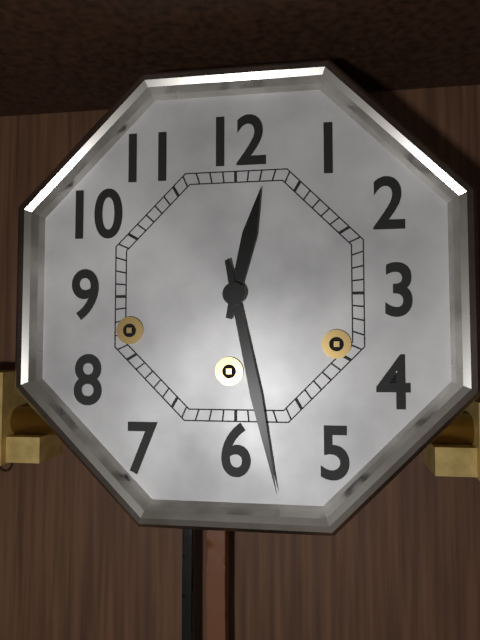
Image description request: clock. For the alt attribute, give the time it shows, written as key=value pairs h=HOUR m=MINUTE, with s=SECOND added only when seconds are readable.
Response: h=12 m=28
